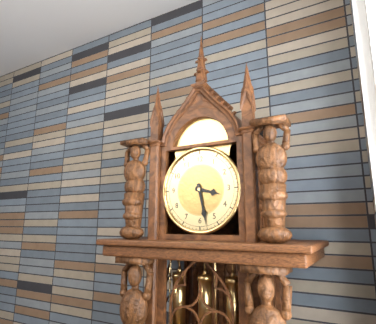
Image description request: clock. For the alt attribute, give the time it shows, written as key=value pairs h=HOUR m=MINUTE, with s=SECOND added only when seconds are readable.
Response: h=3 m=28
